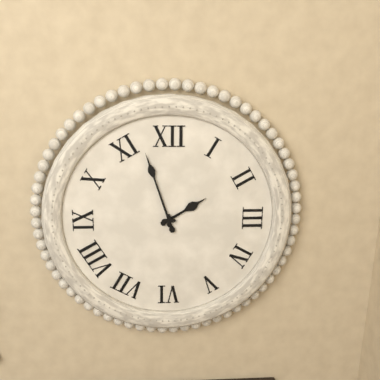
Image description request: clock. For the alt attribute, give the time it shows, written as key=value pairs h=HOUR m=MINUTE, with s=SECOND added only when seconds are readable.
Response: h=1 m=57
